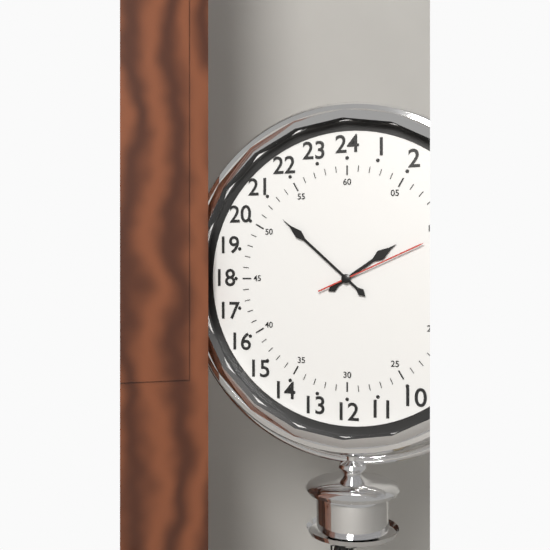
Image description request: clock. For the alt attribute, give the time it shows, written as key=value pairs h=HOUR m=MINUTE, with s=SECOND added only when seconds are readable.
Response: h=1 m=52 s=11
